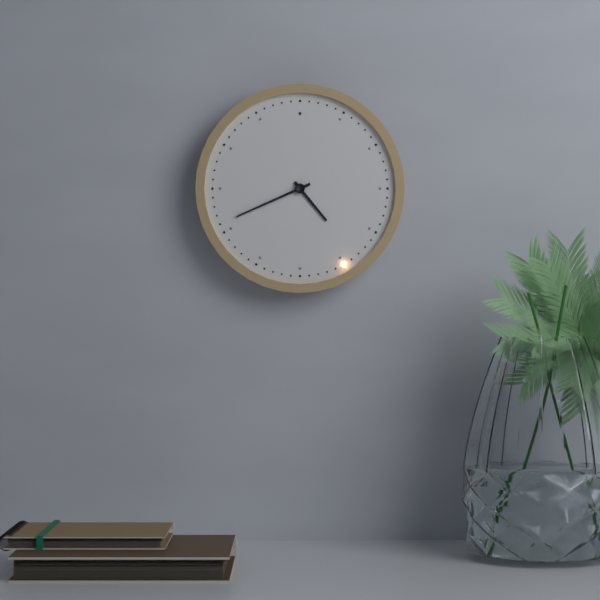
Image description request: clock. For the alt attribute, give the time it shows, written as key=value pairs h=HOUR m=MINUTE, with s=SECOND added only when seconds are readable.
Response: h=4 m=41
